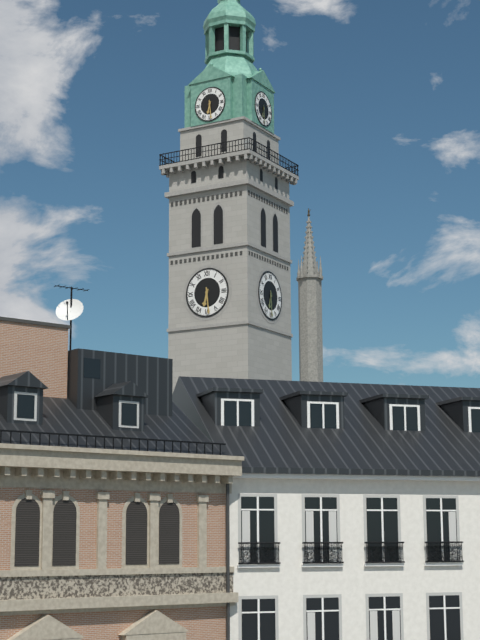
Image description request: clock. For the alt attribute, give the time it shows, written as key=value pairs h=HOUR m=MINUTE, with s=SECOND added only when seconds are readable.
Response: h=6 m=29
